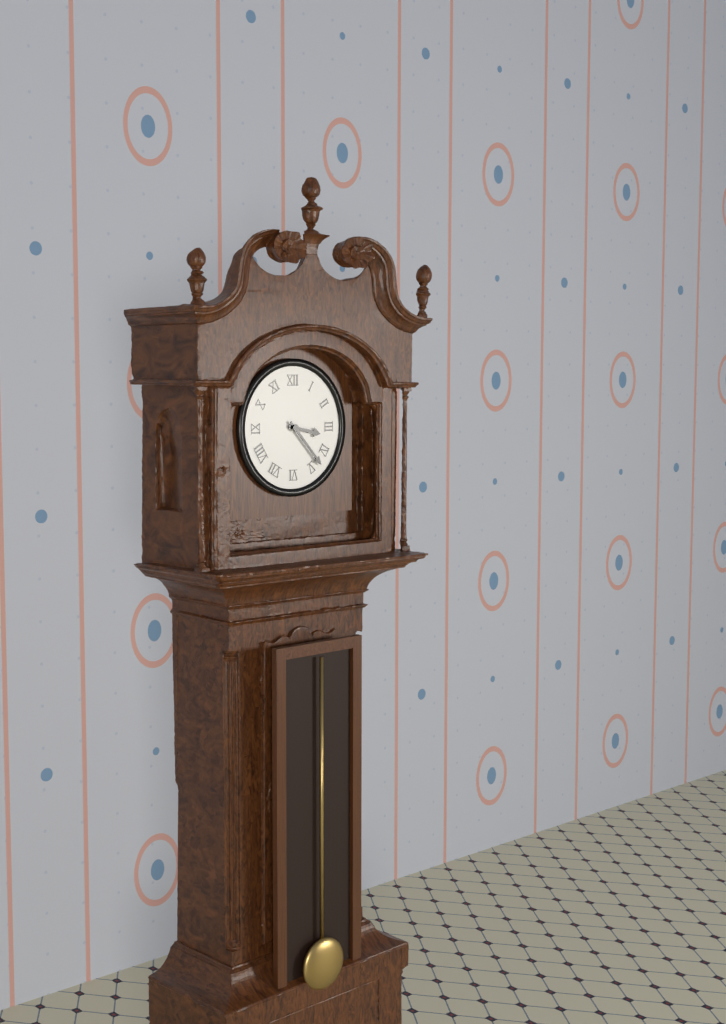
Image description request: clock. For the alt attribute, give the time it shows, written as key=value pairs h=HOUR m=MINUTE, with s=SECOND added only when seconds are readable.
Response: h=3 m=23
